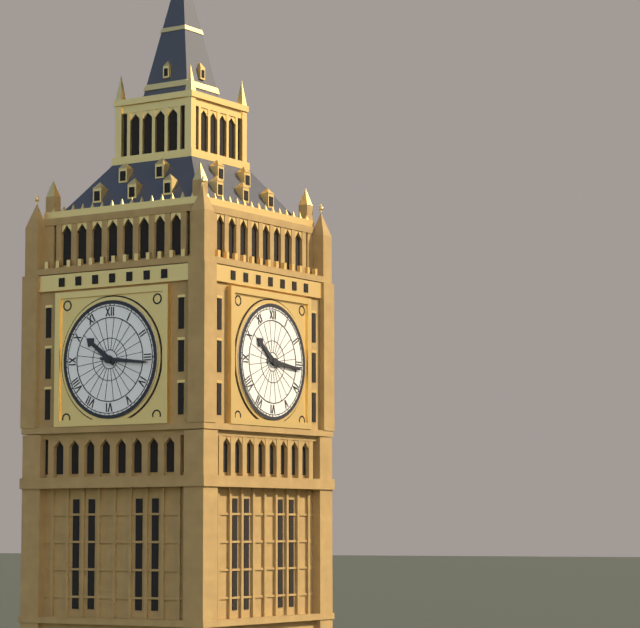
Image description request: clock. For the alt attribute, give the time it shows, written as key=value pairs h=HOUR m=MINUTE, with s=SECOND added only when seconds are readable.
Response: h=10 m=16
